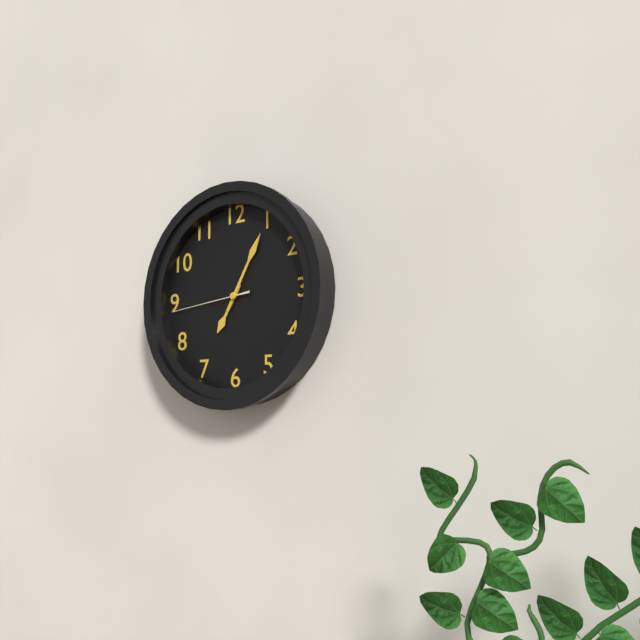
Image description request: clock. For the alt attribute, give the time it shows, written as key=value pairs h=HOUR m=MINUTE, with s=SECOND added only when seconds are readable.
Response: h=7 m=5 s=44
